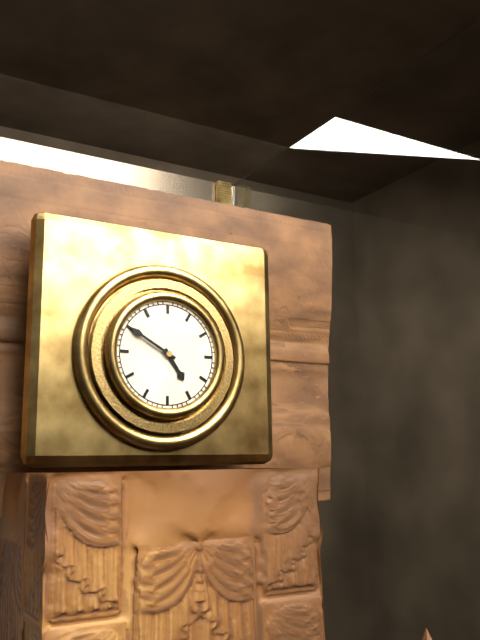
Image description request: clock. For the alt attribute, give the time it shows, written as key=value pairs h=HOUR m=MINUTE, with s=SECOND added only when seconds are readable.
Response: h=4 m=50
